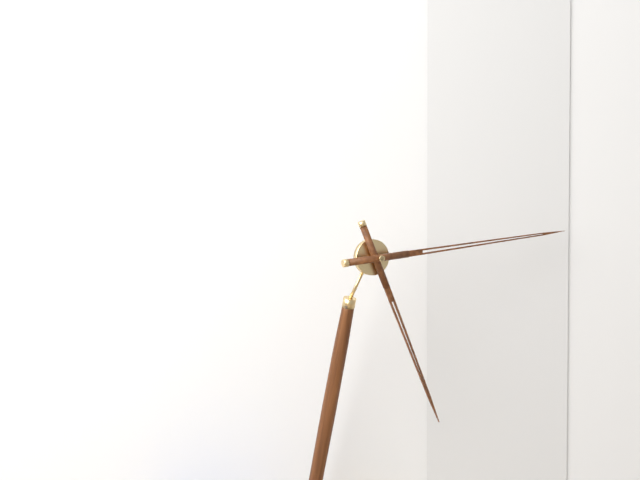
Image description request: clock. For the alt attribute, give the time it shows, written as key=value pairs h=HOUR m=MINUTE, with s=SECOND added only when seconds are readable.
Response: h=5 m=14
